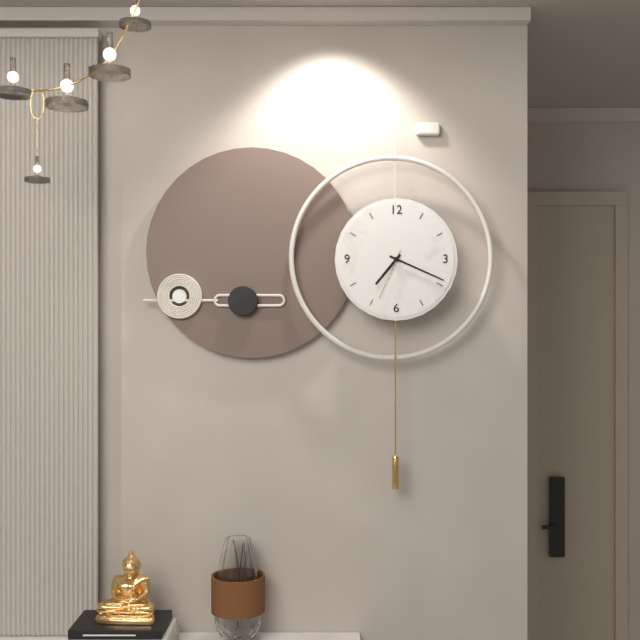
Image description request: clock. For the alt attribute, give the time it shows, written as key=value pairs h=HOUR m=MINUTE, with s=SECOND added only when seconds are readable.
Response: h=7 m=19 s=34
